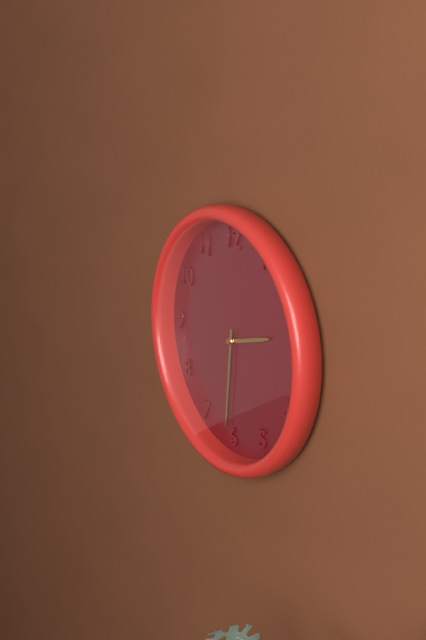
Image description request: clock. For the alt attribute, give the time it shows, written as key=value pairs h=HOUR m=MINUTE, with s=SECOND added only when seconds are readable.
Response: h=2 m=31
